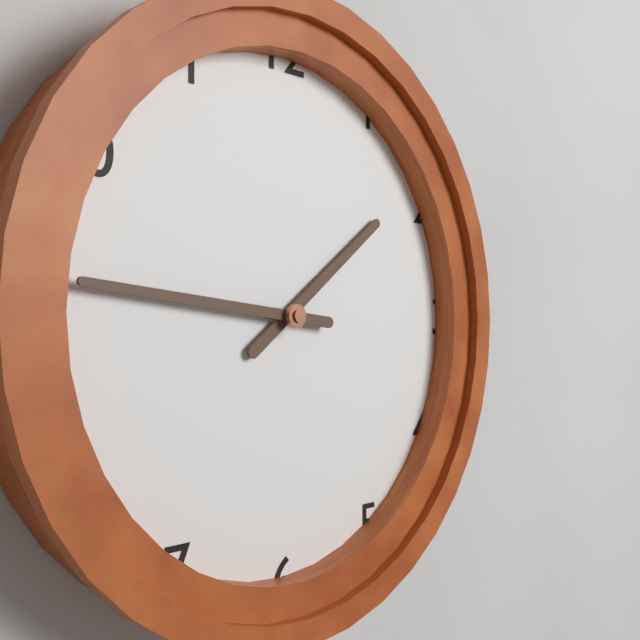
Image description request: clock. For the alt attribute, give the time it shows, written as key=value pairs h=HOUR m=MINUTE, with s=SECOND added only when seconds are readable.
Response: h=1 m=46
